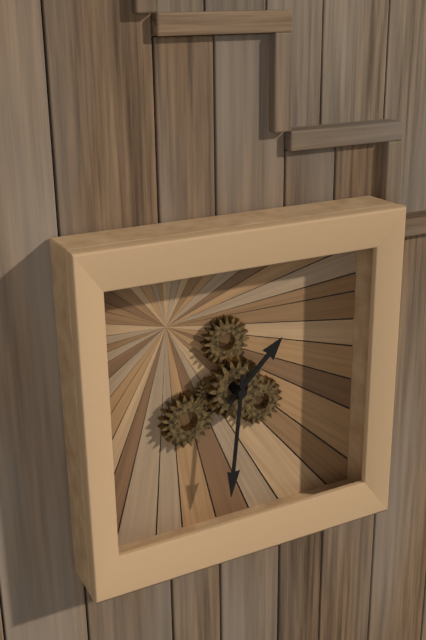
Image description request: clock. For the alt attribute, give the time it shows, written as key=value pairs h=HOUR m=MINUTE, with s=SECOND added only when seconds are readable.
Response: h=1 m=31
